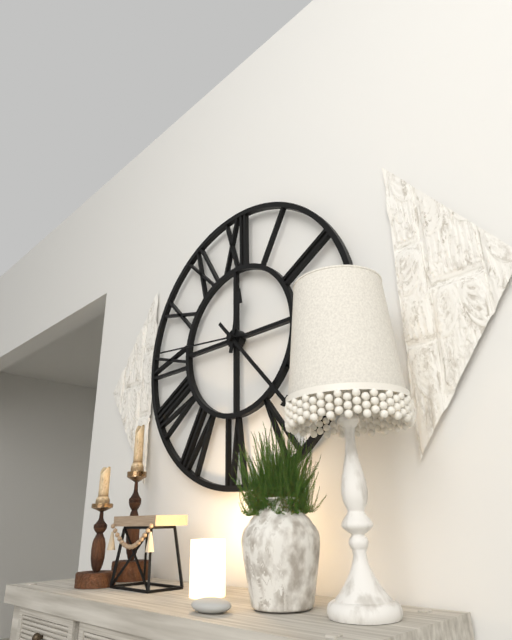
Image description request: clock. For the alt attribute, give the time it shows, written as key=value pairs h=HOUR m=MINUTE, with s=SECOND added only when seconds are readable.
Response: h=12 m=23 s=46
